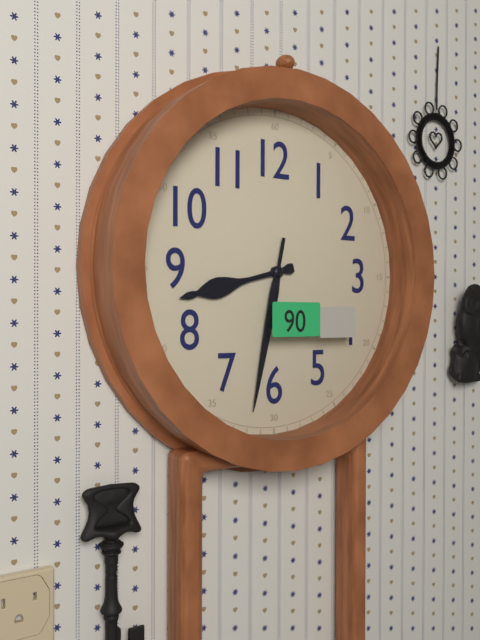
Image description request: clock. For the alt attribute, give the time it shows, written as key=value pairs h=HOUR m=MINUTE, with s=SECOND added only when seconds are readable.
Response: h=8 m=32
